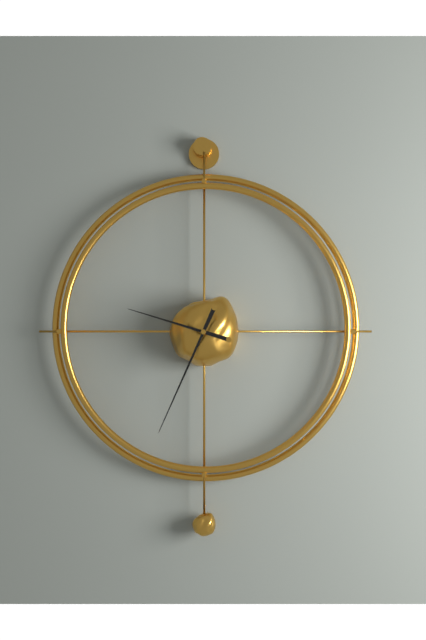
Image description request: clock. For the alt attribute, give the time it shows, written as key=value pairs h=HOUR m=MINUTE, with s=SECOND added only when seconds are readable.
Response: h=9 m=34
